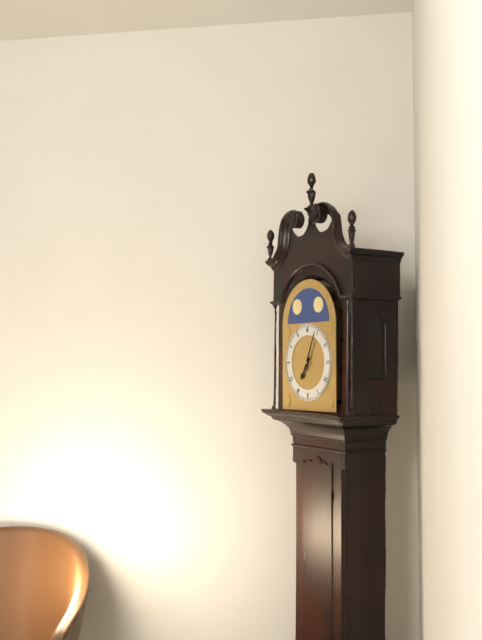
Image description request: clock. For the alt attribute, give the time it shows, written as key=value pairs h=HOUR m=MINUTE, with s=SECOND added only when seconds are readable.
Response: h=7 m=4
